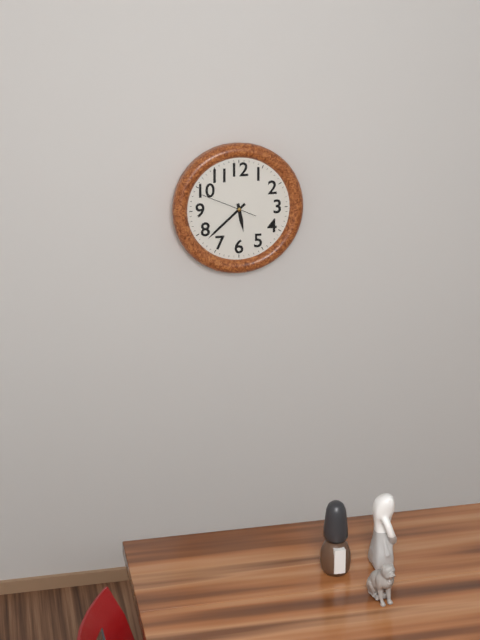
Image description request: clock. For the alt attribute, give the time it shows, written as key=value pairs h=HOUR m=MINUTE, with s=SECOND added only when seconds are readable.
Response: h=5 m=38 s=49
